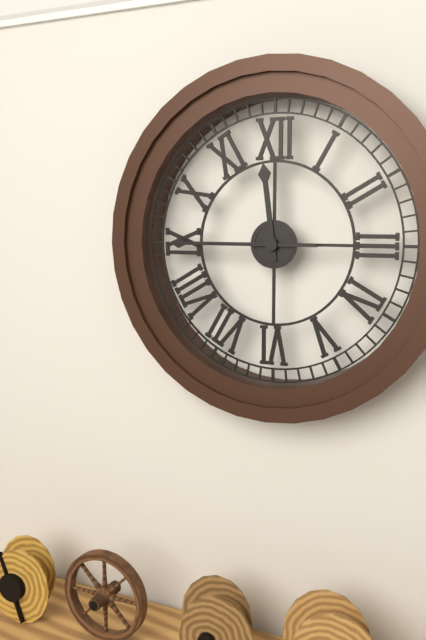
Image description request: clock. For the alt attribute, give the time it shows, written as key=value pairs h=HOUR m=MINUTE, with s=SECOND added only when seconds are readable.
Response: h=11 m=45
